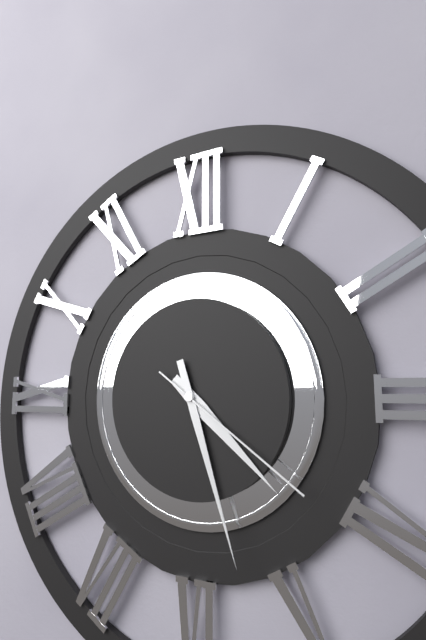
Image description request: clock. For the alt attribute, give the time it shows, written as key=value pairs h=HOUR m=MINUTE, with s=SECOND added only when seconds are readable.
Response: h=4 m=27 s=21
